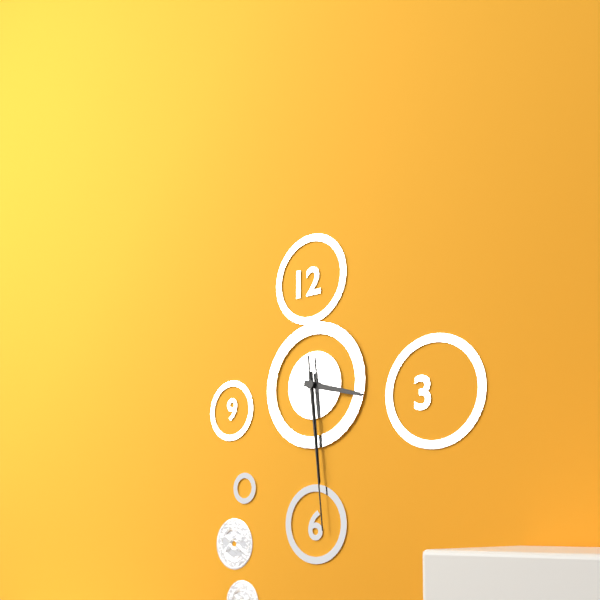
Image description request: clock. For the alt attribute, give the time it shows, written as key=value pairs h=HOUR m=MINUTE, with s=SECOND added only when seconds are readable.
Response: h=3 m=29 s=29
